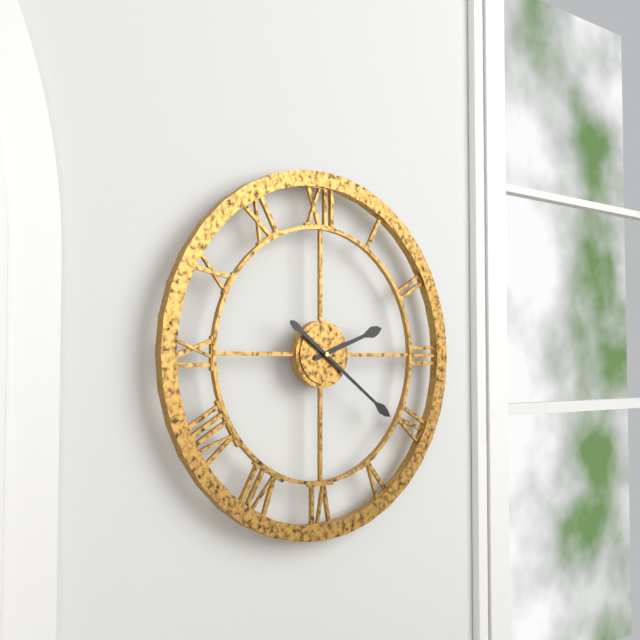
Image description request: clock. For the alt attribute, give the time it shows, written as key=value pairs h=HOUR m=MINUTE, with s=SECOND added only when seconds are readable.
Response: h=2 m=21
